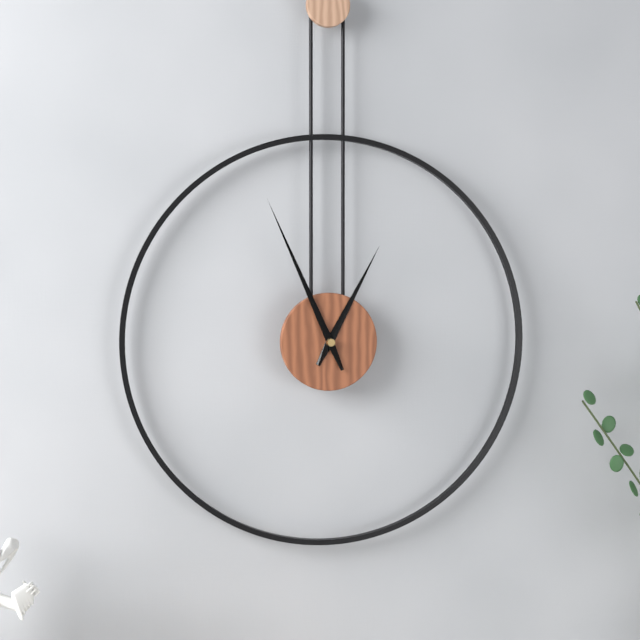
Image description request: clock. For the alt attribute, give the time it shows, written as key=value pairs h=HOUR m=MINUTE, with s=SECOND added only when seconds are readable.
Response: h=12 m=56
